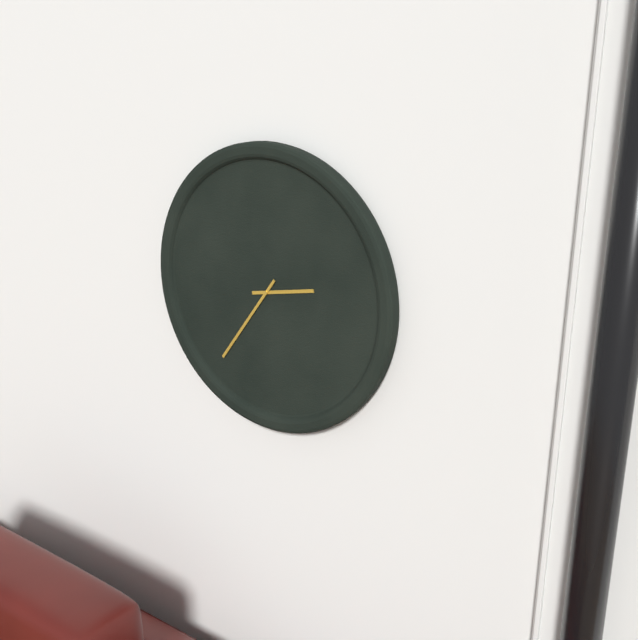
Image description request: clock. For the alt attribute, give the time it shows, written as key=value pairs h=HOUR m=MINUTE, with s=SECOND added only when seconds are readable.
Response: h=2 m=36
